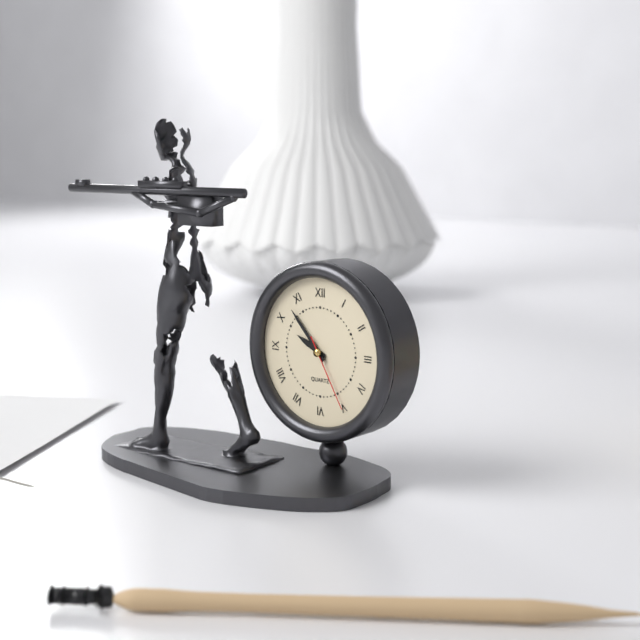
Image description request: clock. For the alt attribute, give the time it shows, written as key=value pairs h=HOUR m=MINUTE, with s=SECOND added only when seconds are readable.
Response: h=9 m=53 s=25
